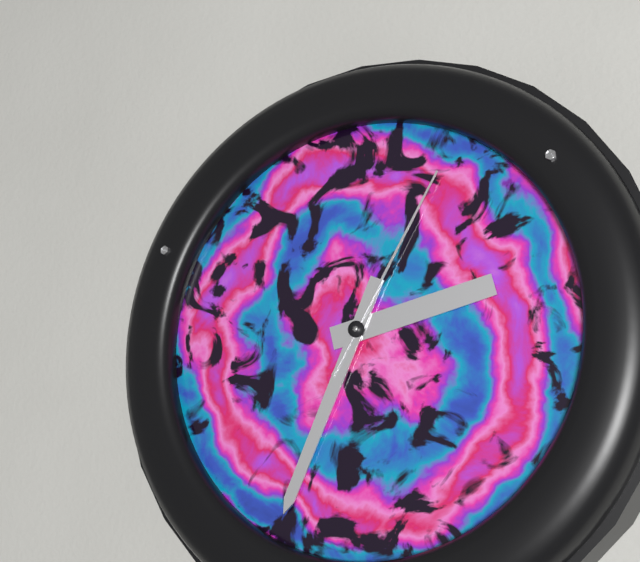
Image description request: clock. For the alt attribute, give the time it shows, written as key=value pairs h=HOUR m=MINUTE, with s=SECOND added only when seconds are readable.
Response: h=2 m=34 s=5
